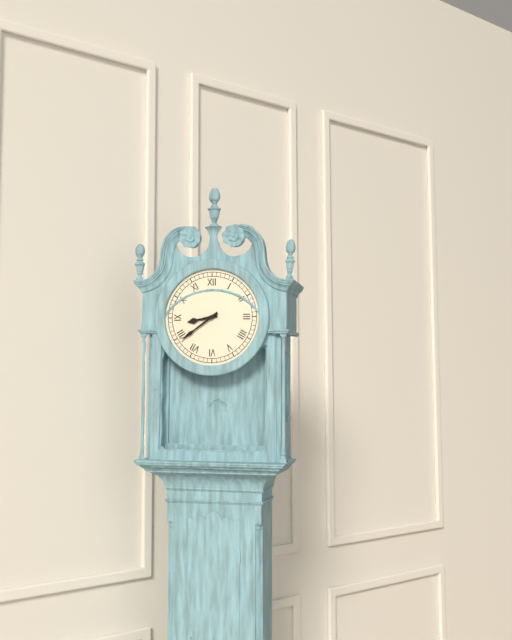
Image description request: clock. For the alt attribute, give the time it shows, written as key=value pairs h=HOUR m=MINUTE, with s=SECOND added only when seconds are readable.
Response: h=8 m=39
